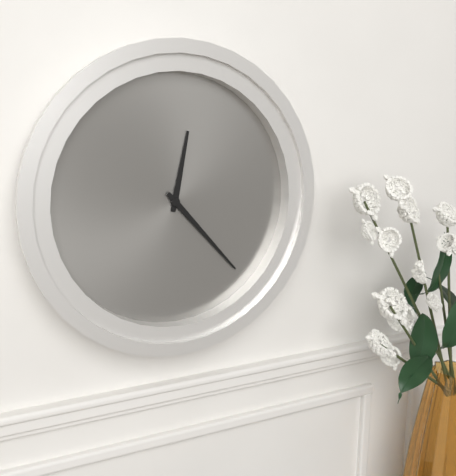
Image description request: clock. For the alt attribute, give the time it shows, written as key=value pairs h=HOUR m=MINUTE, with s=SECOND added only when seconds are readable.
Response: h=12 m=23
